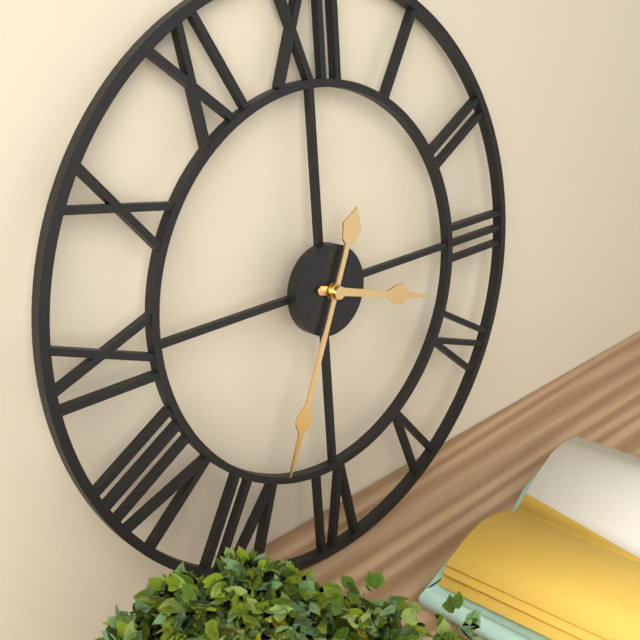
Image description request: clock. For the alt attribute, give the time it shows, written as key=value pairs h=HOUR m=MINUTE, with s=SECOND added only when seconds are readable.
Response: h=3 m=34
